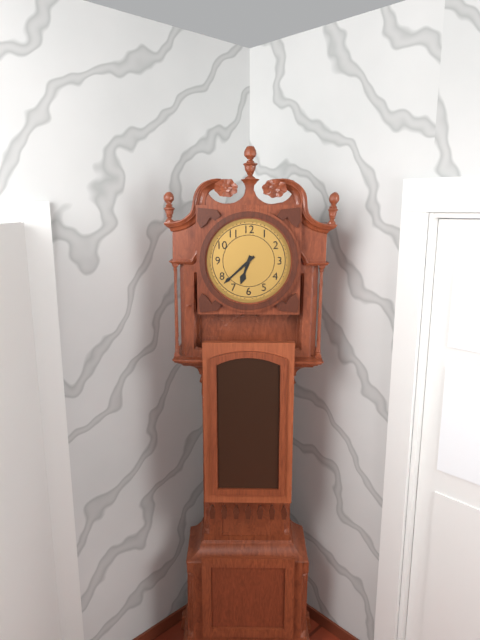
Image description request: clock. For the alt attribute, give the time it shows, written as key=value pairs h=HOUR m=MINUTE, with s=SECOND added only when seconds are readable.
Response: h=6 m=38
